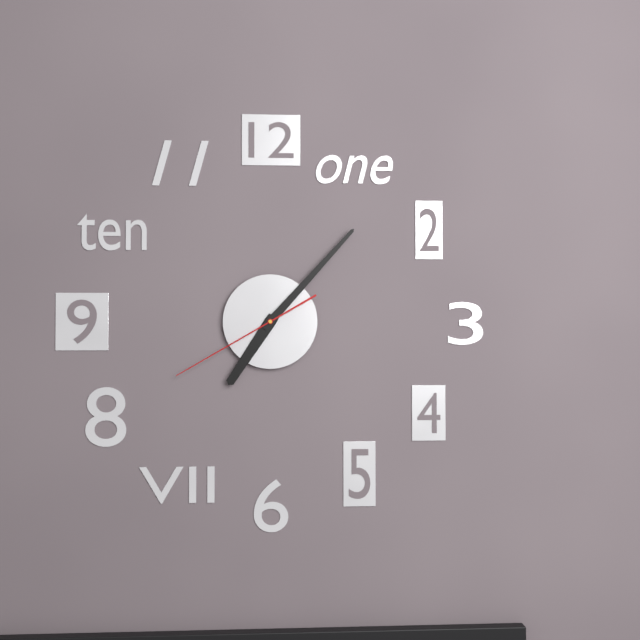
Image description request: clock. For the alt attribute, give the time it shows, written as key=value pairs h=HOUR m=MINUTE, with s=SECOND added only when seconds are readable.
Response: h=7 m=7 s=40
